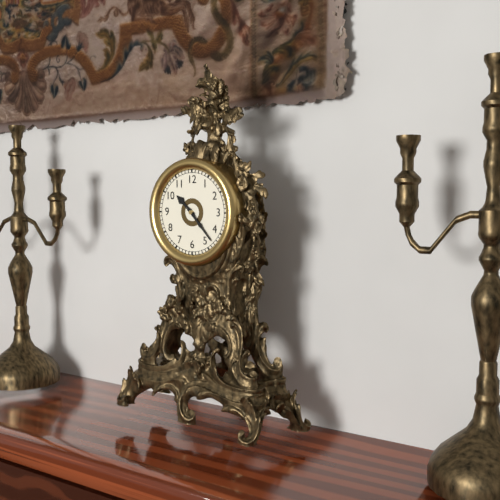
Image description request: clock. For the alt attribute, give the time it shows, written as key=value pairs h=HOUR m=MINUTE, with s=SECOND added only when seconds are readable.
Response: h=10 m=23
